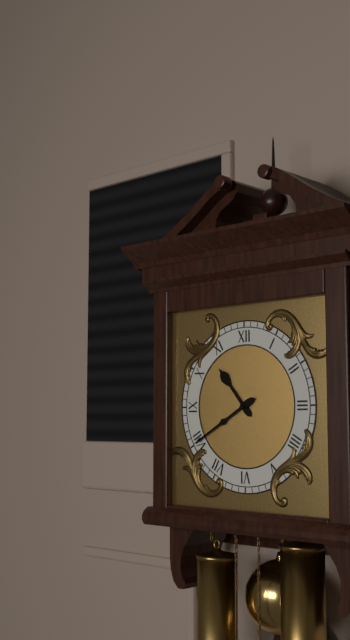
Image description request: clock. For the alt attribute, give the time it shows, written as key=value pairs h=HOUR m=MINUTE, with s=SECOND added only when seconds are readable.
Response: h=10 m=40
